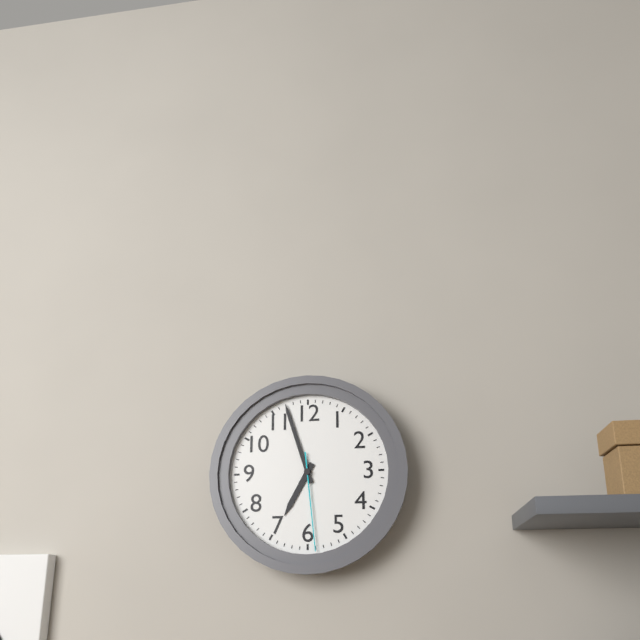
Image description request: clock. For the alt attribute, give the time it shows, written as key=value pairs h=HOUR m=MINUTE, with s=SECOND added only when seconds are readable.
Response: h=6 m=57 s=29
